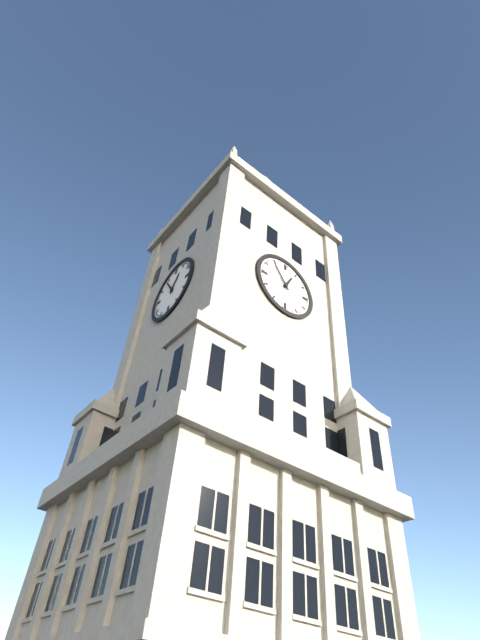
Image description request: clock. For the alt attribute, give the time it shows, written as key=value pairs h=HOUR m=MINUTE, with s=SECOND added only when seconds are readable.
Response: h=12 m=54
